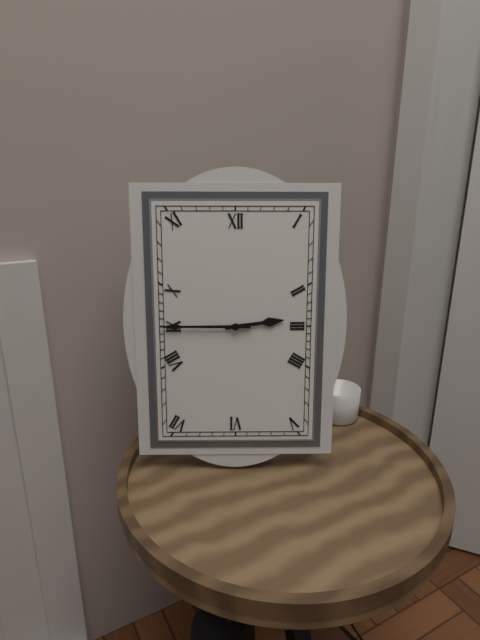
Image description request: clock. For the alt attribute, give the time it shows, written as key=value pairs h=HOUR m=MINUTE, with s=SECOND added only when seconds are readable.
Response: h=2 m=45
